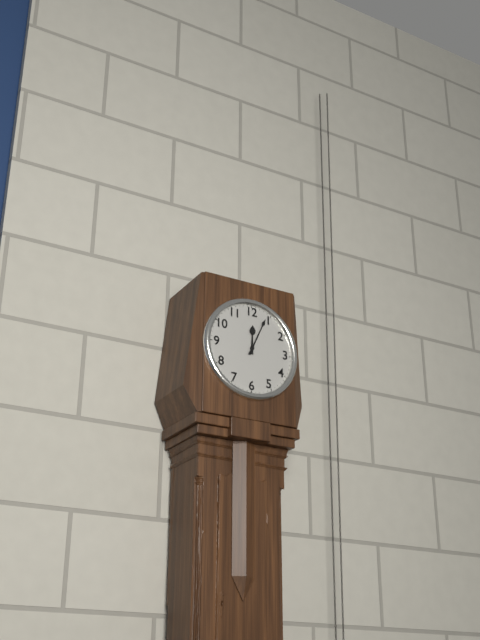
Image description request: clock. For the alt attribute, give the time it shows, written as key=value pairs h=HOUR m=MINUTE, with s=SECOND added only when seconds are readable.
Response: h=12 m=4
